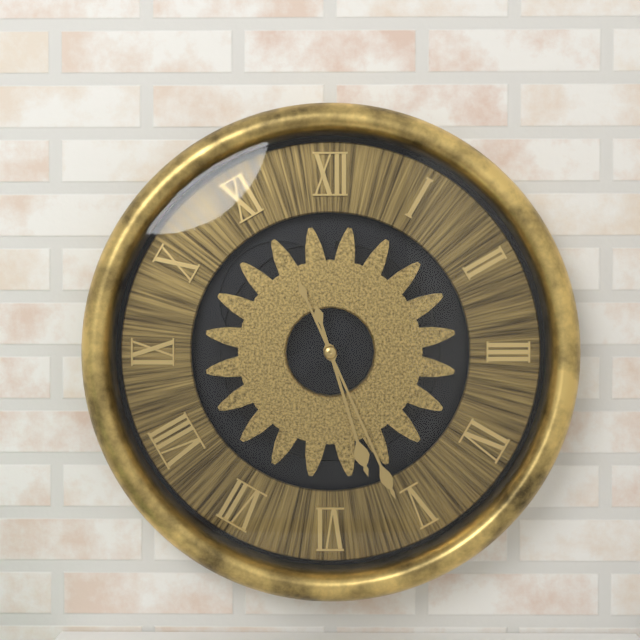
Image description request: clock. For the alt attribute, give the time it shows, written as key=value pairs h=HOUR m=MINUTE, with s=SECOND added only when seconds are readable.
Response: h=5 m=26
